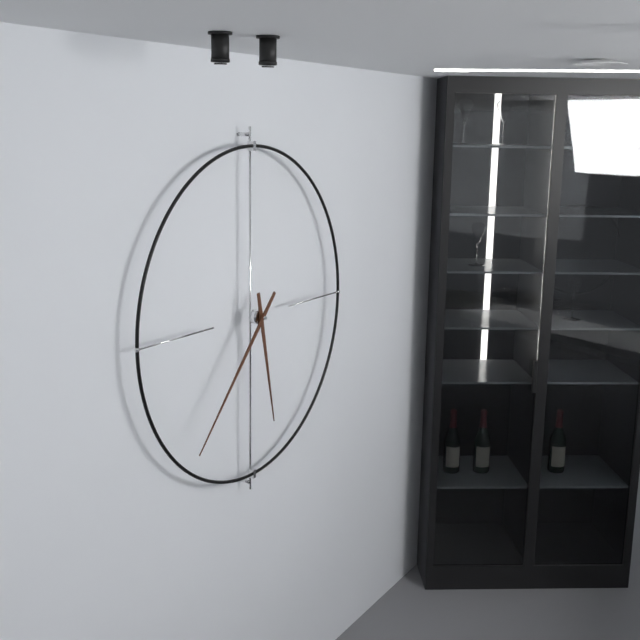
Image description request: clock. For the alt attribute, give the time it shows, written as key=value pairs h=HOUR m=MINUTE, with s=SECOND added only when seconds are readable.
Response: h=5 m=37
